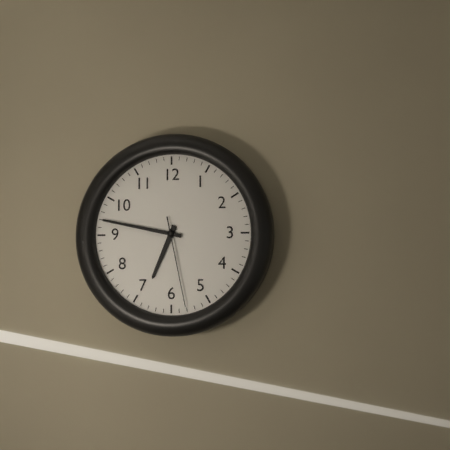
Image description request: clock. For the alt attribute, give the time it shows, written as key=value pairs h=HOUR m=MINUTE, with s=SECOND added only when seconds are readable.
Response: h=6 m=47 s=28
